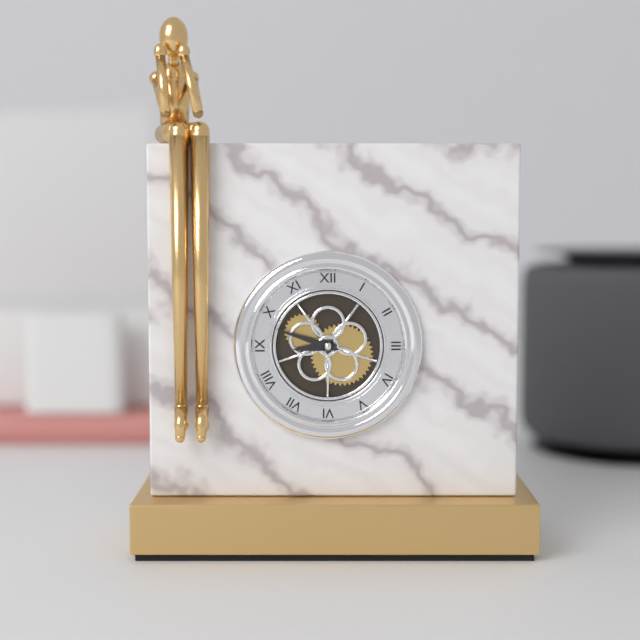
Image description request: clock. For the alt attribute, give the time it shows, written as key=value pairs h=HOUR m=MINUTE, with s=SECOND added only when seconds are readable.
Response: h=8 m=48
